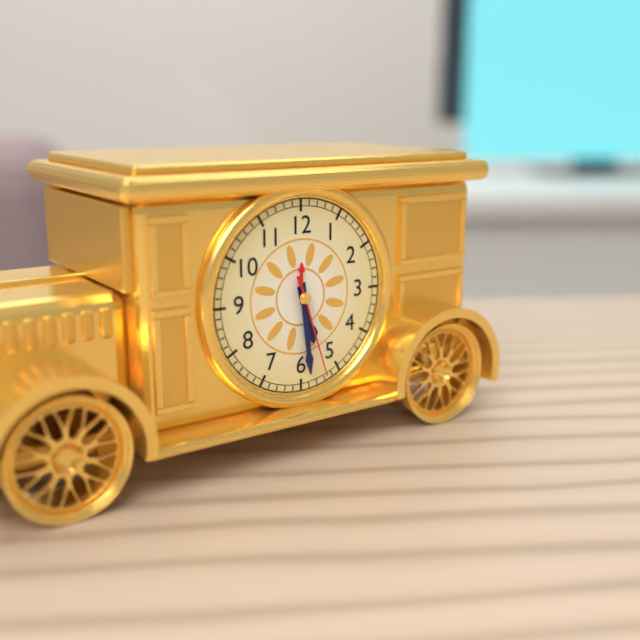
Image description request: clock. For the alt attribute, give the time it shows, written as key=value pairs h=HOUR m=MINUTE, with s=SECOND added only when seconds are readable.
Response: h=5 m=29 s=27
